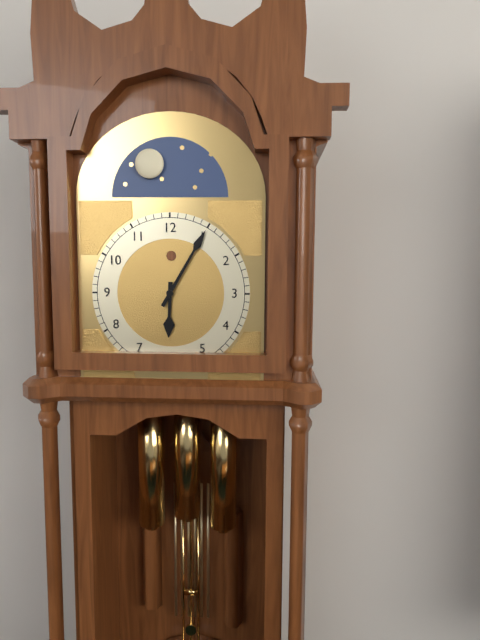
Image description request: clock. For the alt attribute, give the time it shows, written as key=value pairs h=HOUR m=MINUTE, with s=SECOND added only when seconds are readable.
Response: h=6 m=5
